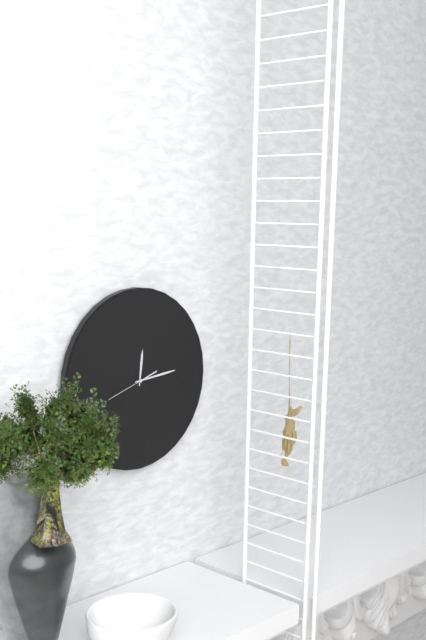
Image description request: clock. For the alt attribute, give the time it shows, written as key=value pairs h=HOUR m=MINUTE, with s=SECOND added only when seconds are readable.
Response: h=12 m=14
